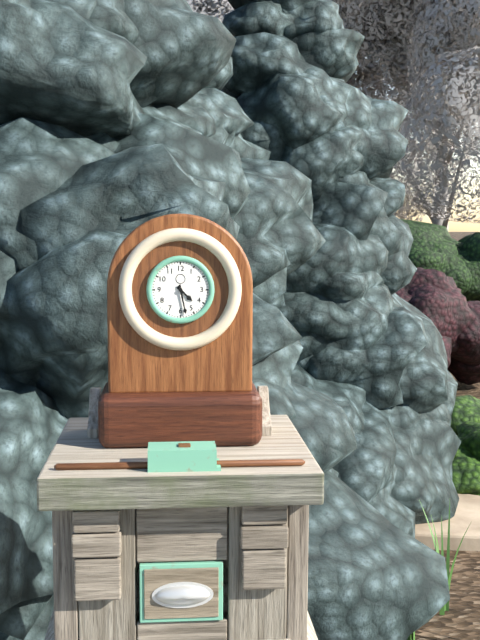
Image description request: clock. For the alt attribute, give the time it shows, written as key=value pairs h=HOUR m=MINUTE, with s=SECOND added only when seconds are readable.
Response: h=4 m=28
